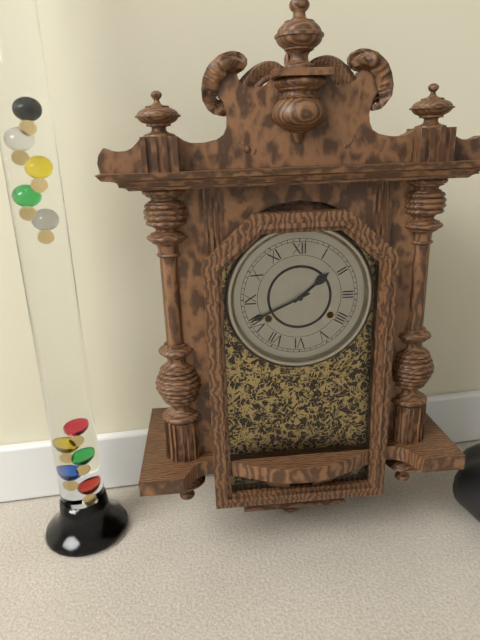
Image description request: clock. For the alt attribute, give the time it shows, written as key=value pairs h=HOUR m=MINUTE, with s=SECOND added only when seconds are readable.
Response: h=1 m=41
